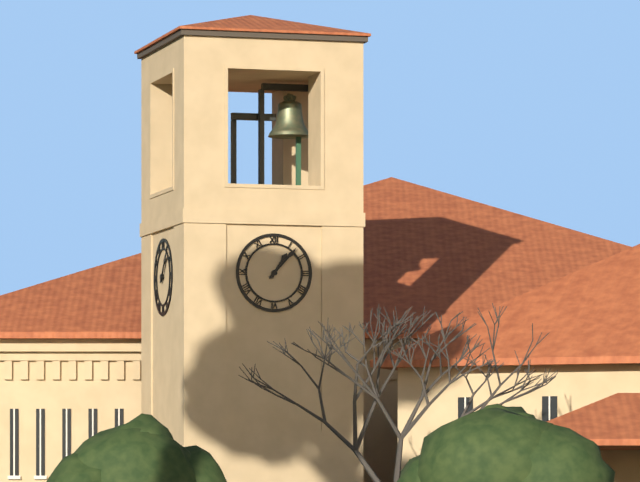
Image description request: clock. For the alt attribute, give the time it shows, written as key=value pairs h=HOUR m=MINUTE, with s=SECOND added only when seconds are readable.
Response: h=1 m=7
